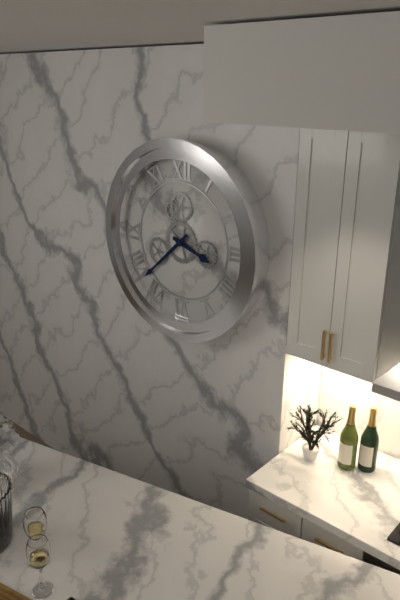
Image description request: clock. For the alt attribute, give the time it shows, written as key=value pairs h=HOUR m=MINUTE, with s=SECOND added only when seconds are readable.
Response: h=3 m=38
